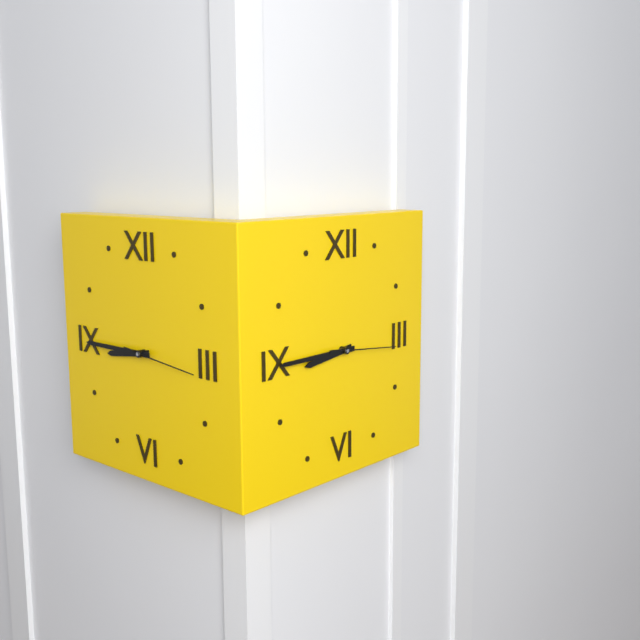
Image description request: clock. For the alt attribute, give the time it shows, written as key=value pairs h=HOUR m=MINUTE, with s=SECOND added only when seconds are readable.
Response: h=8 m=45 s=16
